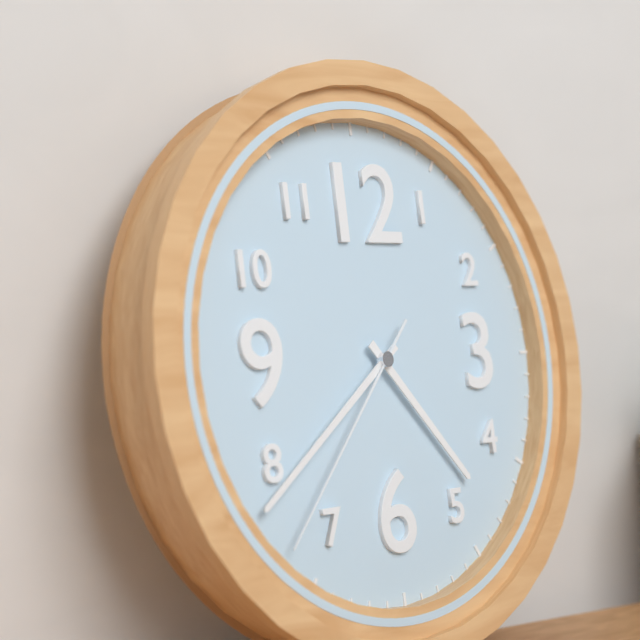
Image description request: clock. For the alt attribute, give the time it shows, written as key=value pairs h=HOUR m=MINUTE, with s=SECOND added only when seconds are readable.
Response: h=4 m=39 s=37
